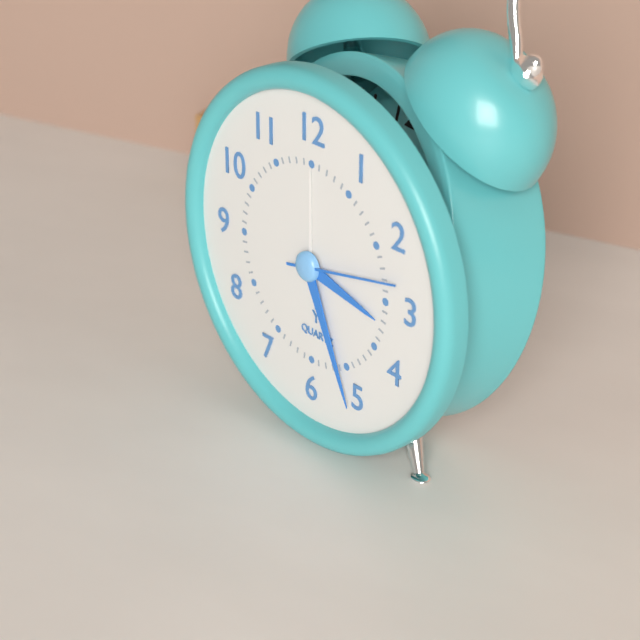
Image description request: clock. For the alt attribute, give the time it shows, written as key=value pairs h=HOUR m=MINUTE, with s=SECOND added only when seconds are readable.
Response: h=3 m=26 s=13
